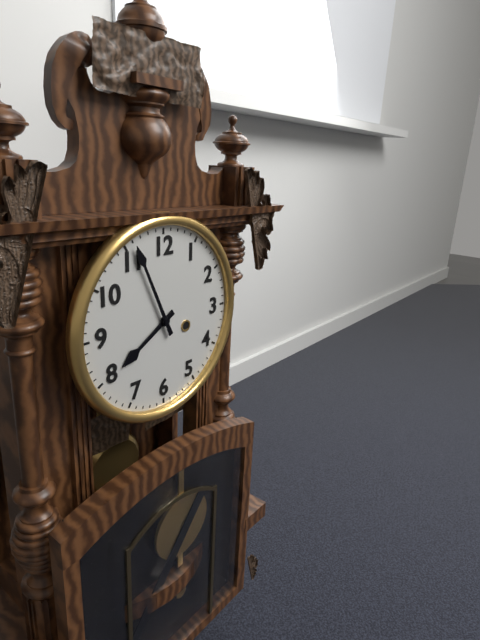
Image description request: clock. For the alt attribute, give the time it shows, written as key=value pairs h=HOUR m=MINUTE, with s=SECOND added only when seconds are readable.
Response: h=7 m=56
